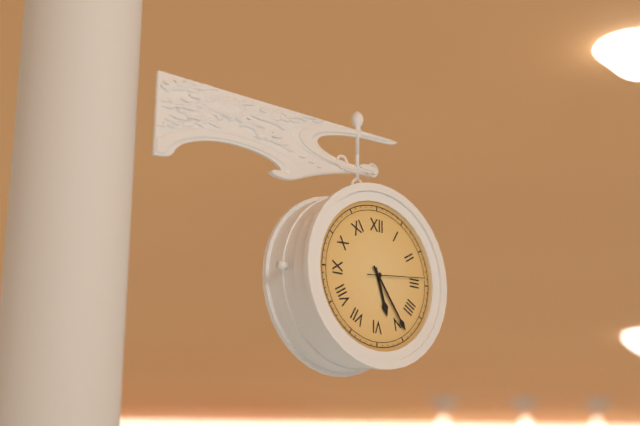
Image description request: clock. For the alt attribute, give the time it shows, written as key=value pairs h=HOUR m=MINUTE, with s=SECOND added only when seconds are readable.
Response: h=5 m=24 s=14
